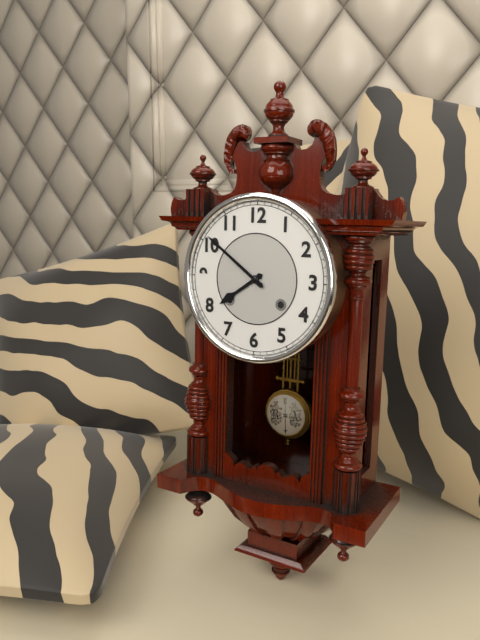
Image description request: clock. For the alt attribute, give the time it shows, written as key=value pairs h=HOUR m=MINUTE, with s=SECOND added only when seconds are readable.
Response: h=7 m=51
